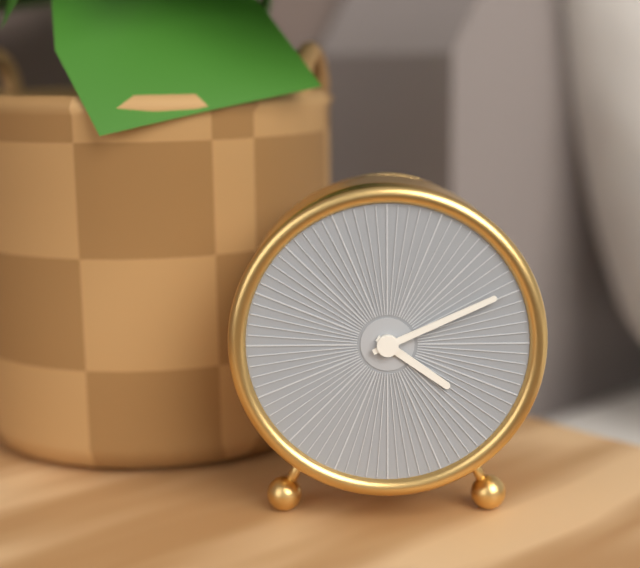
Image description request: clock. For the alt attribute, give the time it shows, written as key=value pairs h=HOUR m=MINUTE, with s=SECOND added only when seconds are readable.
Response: h=4 m=11
